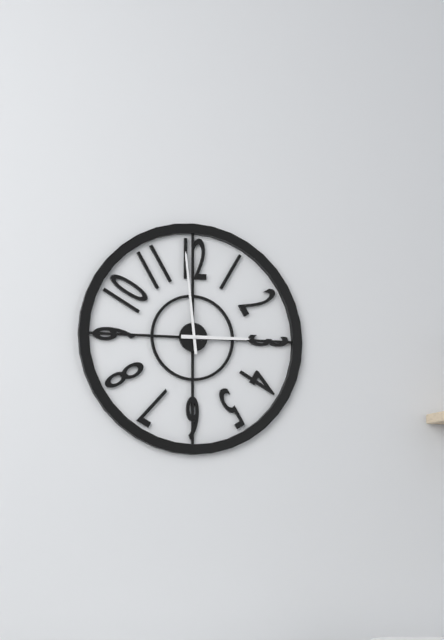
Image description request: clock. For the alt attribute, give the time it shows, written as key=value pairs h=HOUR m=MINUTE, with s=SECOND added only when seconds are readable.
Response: h=2 m=59
